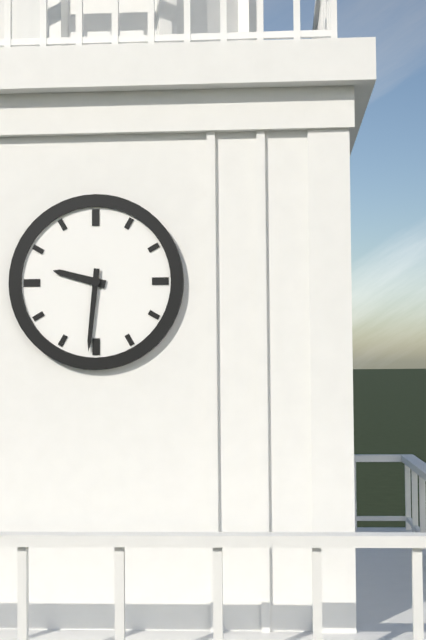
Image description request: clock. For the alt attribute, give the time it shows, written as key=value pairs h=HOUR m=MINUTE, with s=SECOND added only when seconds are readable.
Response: h=9 m=31
